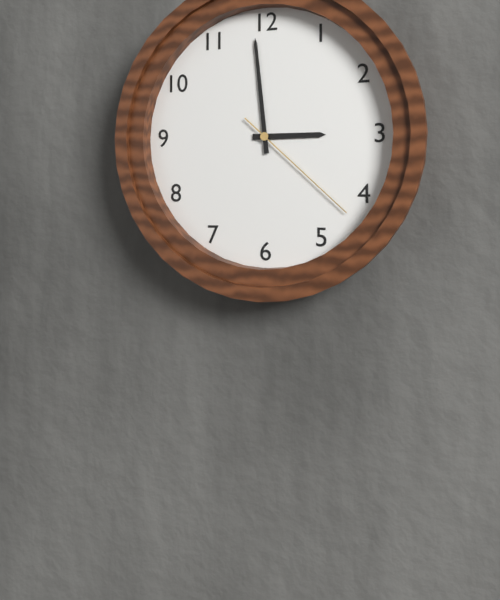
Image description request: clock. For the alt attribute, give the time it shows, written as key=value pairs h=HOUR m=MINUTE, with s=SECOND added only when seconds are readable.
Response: h=2 m=59 s=22
